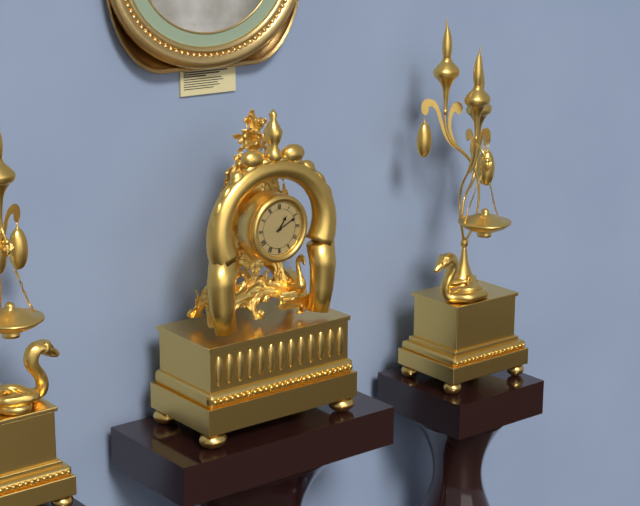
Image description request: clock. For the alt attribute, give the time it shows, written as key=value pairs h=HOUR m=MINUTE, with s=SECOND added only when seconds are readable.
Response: h=1 m=11
